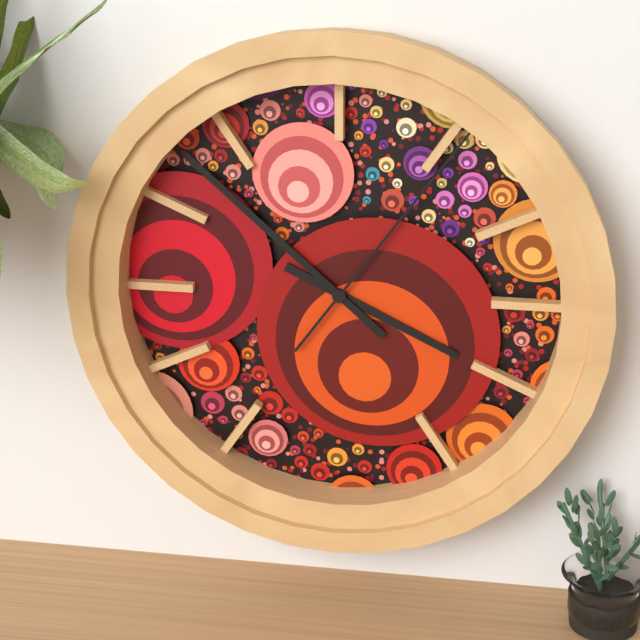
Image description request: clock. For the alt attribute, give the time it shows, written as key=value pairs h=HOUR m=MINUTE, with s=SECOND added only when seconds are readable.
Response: h=3 m=52 s=6
